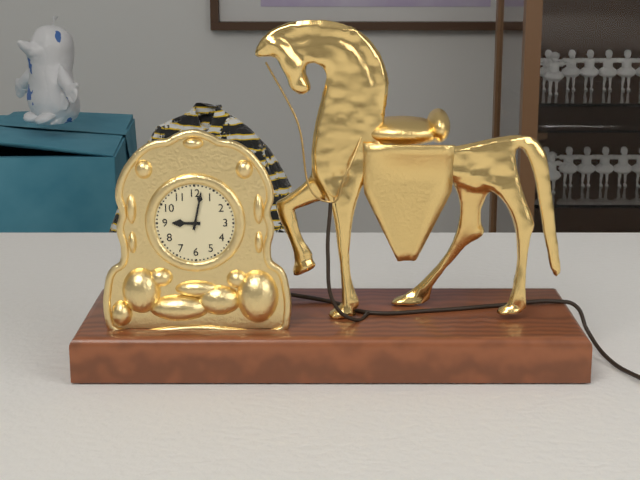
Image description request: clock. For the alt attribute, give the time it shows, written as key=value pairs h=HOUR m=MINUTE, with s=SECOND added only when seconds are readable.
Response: h=9 m=2
